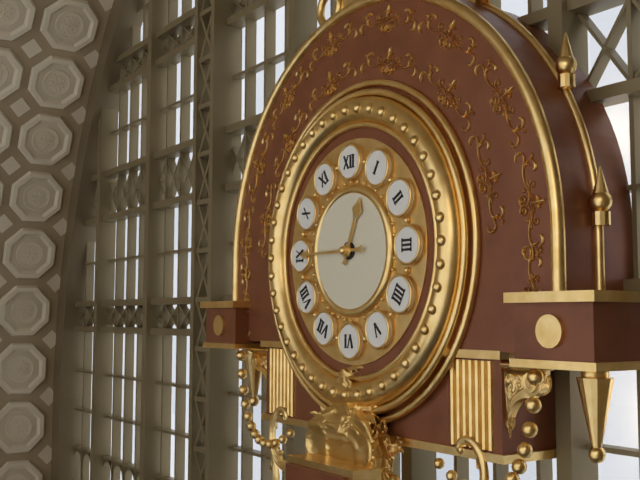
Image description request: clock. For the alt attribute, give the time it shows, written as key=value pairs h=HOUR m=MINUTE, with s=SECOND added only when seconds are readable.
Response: h=12 m=45
